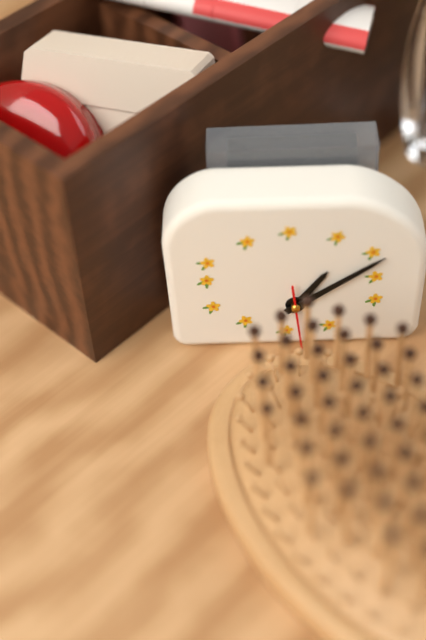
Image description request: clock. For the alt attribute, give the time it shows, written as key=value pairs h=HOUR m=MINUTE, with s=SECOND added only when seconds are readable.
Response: h=1 m=9 s=29
